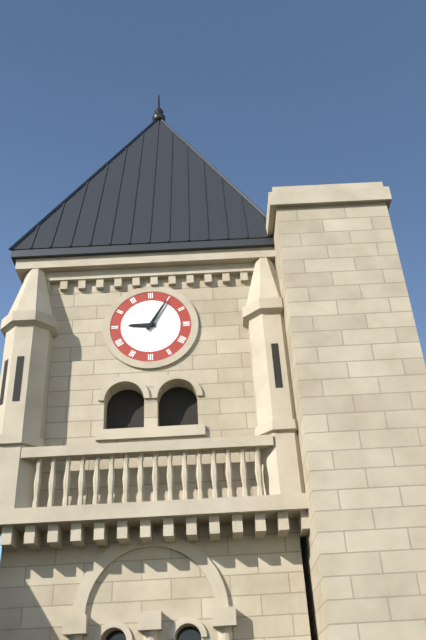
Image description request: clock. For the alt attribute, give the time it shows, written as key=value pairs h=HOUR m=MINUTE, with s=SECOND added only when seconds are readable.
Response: h=9 m=5
